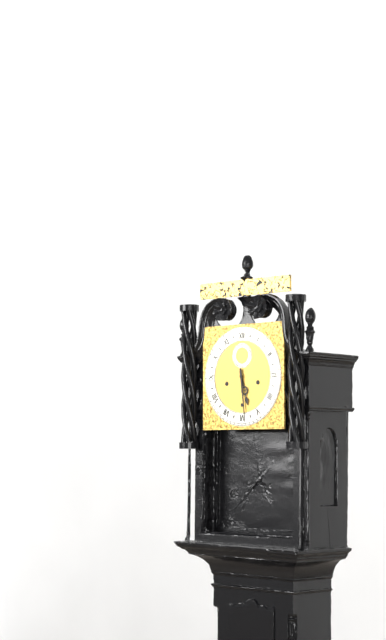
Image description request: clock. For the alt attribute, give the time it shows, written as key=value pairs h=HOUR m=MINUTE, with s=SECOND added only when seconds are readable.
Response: h=5 m=29
